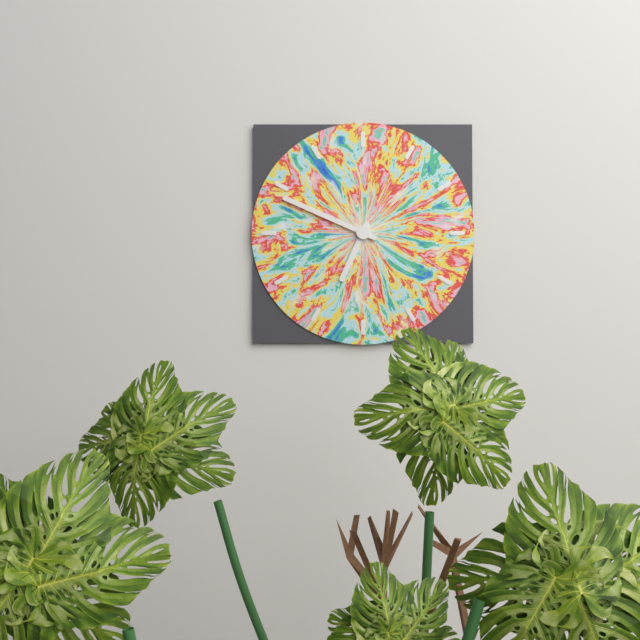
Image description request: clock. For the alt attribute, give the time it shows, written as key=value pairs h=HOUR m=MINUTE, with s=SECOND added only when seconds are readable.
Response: h=6 m=49
